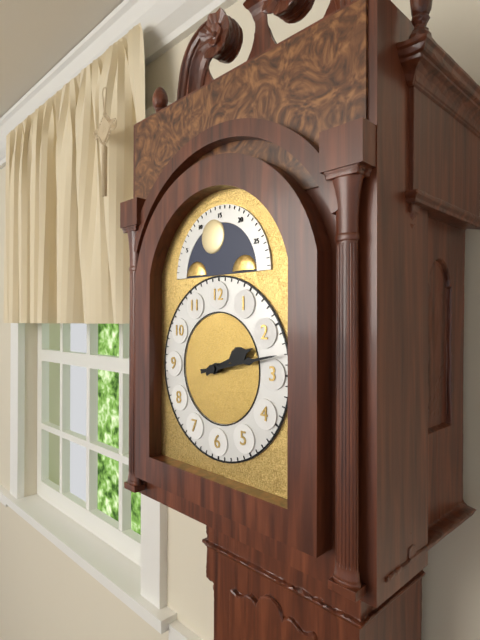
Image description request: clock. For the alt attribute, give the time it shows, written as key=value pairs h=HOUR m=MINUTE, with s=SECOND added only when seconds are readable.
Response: h=2 m=13
